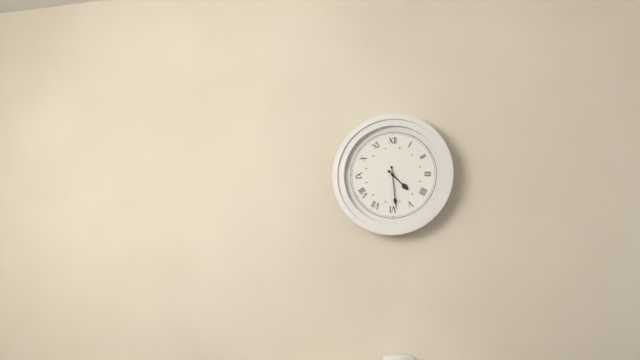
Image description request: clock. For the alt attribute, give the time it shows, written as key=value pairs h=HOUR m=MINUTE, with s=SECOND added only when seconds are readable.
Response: h=4 m=29
